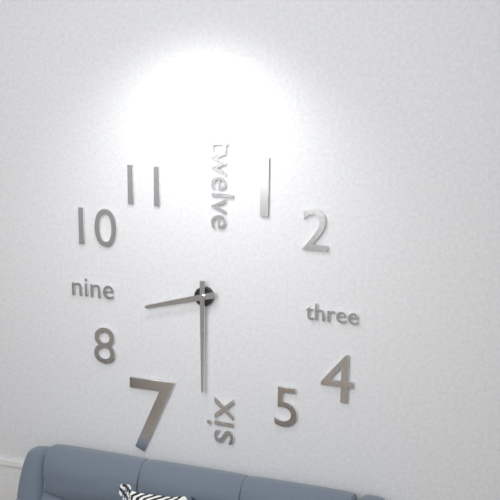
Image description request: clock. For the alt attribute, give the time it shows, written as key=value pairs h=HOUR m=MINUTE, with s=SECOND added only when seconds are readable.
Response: h=8 m=30
